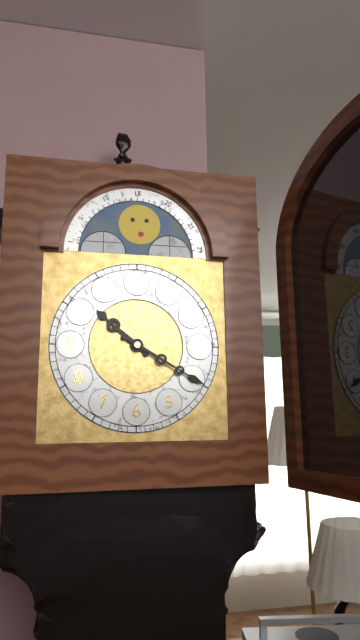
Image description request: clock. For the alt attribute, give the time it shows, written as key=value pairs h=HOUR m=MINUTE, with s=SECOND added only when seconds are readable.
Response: h=10 m=20
